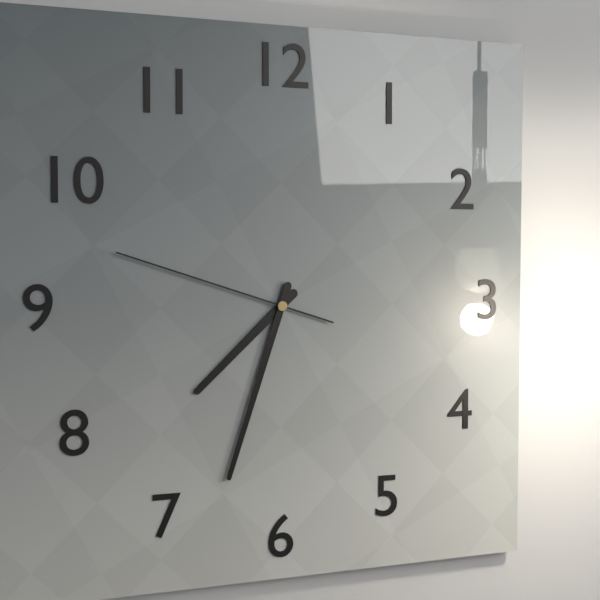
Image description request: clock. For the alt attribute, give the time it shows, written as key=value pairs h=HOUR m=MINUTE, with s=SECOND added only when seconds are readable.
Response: h=7 m=33 s=48
